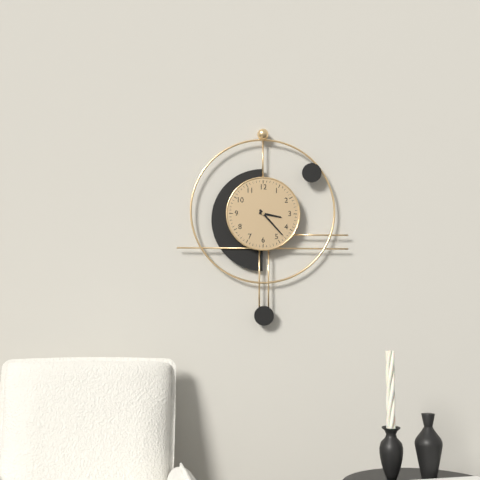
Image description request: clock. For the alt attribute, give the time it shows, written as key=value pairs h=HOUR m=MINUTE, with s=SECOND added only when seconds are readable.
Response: h=3 m=23
